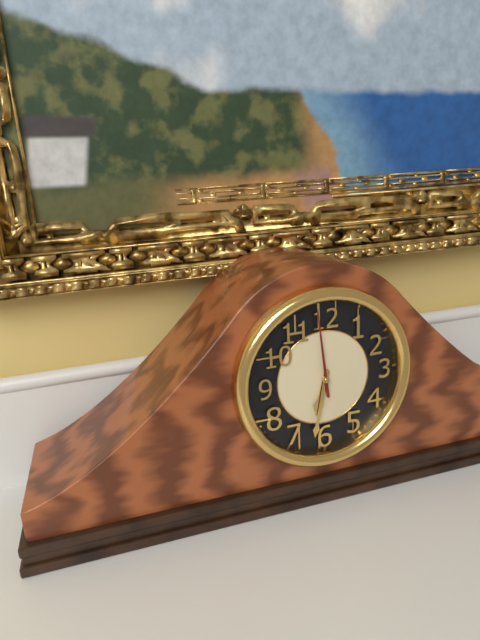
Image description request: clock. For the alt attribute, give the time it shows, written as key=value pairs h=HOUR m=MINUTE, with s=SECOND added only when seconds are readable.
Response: h=6 m=32 s=59
